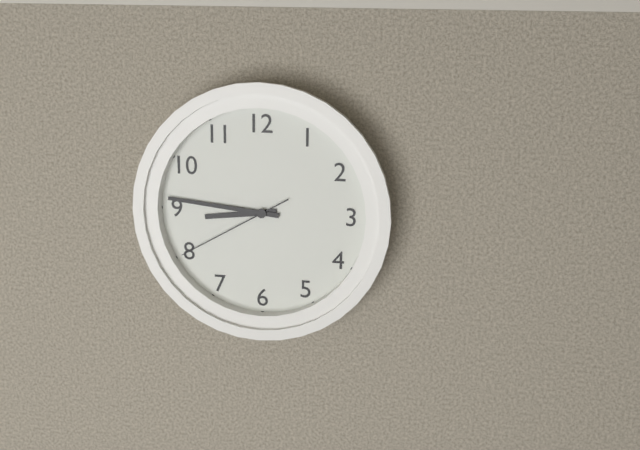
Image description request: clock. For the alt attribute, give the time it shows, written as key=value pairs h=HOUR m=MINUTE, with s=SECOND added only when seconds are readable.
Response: h=8 m=46 s=40
